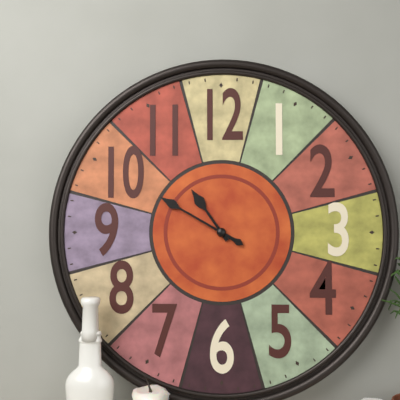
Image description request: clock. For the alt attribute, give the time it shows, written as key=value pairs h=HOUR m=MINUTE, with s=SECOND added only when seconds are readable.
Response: h=10 m=50
